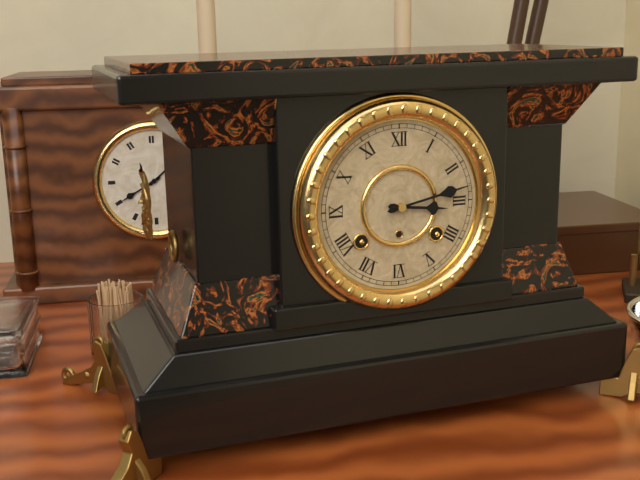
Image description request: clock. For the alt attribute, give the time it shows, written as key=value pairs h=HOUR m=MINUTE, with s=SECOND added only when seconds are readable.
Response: h=3 m=13
